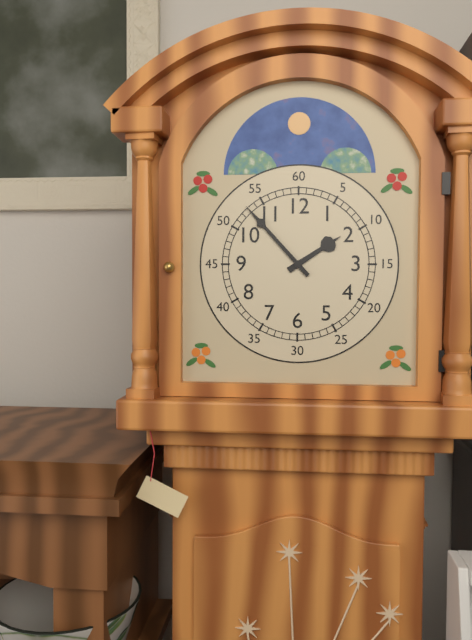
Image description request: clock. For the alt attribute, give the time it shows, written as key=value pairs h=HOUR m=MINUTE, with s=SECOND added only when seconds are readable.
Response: h=1 m=53
